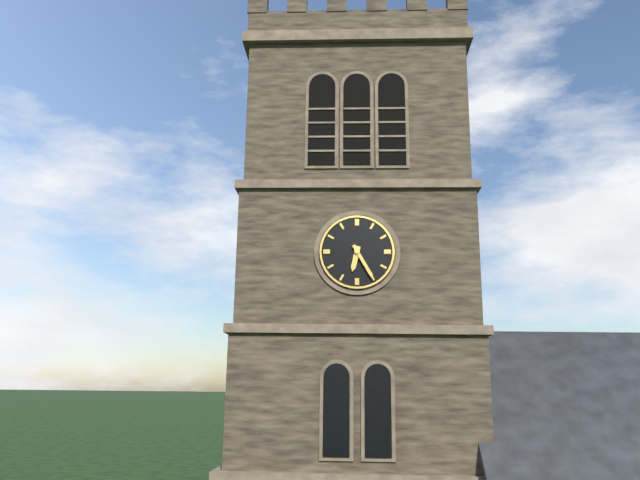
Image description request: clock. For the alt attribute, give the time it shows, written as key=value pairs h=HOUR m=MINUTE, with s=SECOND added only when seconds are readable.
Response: h=6 m=25
